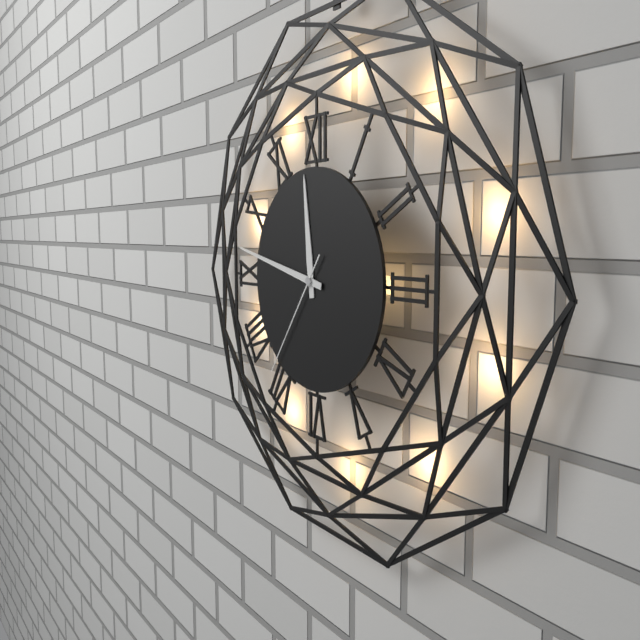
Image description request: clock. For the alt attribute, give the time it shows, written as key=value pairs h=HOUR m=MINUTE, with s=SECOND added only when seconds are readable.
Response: h=11 m=47 s=36
